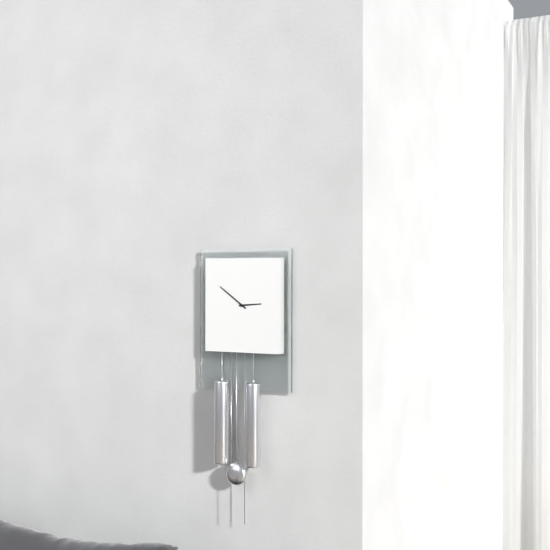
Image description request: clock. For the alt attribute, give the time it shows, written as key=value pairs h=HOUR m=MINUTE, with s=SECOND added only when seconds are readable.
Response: h=2 m=51
